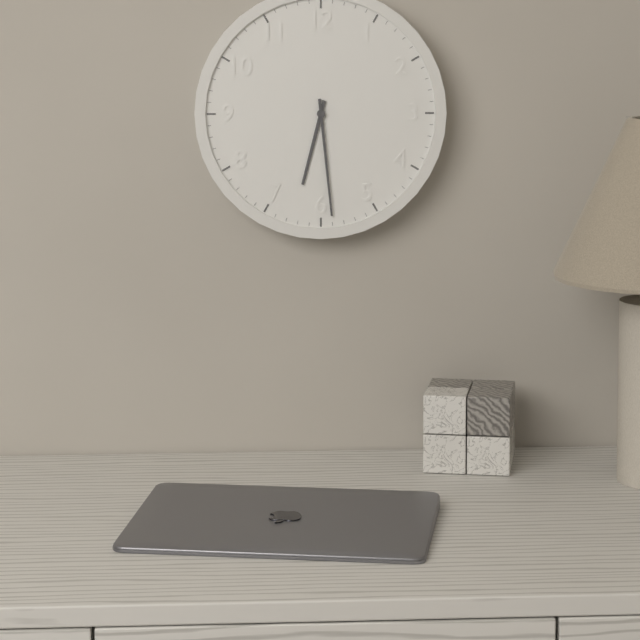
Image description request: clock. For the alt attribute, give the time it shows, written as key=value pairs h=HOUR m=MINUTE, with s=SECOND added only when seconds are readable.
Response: h=6 m=29
